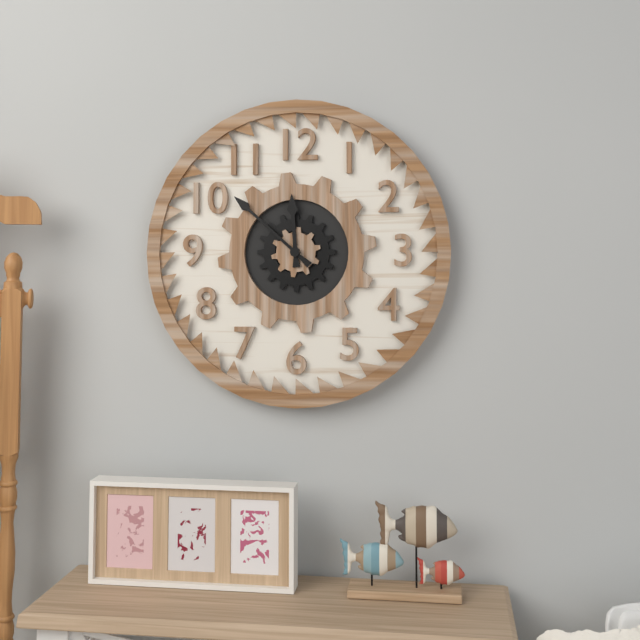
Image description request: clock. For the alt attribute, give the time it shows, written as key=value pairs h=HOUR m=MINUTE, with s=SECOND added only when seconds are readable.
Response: h=11 m=52
